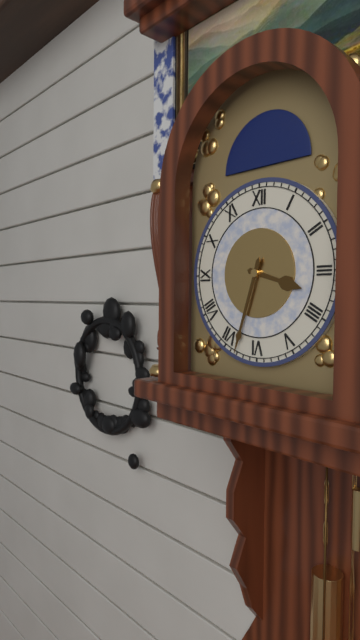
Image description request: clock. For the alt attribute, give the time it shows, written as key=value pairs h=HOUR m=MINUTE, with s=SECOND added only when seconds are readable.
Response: h=3 m=33
